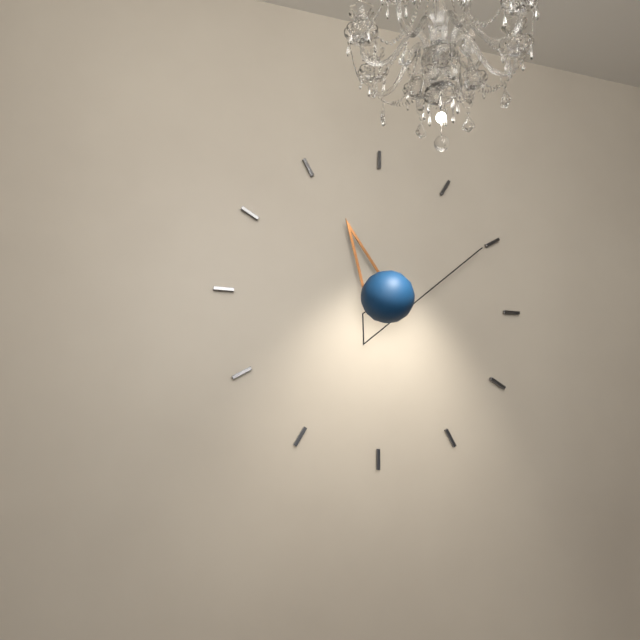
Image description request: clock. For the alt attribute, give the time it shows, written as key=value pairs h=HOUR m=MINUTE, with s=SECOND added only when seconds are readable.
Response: h=11 m=10
